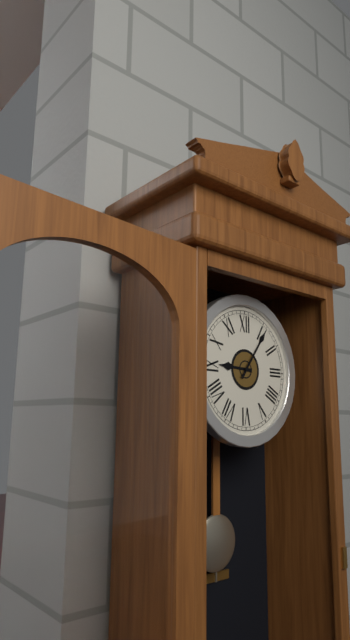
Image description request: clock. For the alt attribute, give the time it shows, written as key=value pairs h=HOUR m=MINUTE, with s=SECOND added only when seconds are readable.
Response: h=9 m=6
